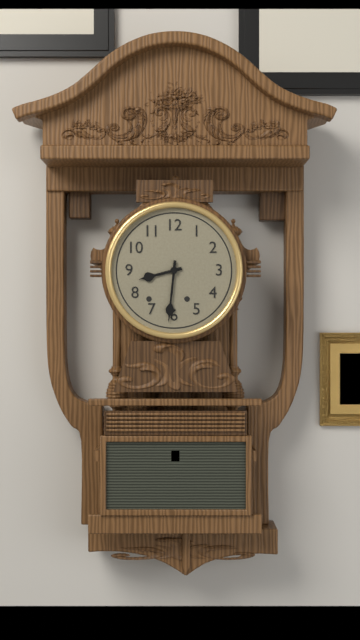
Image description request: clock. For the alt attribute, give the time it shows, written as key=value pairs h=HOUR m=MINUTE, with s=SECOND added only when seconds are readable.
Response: h=8 m=31
